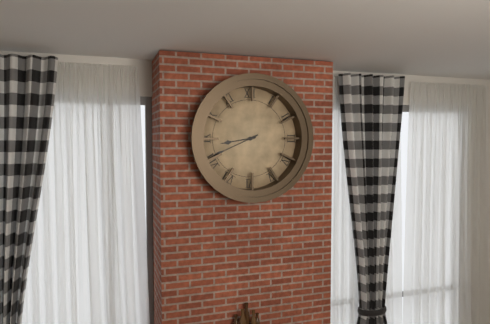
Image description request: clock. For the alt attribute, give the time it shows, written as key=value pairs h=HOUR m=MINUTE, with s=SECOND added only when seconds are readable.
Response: h=8 m=41
